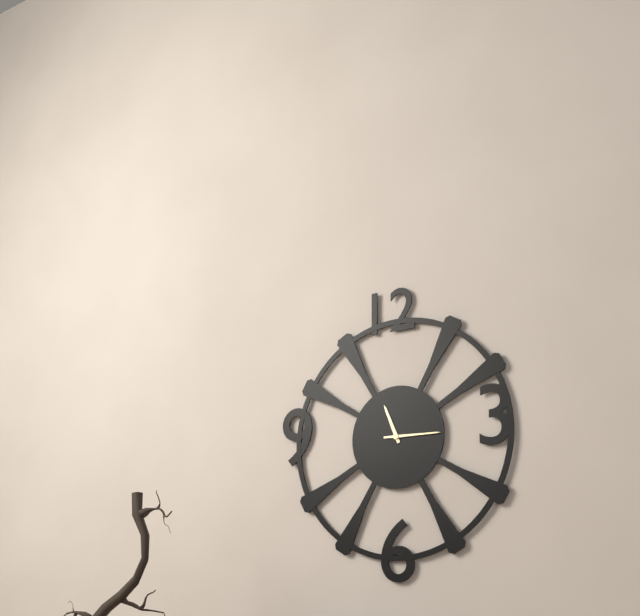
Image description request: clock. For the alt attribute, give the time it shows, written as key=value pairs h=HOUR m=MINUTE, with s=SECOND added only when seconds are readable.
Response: h=11 m=15
